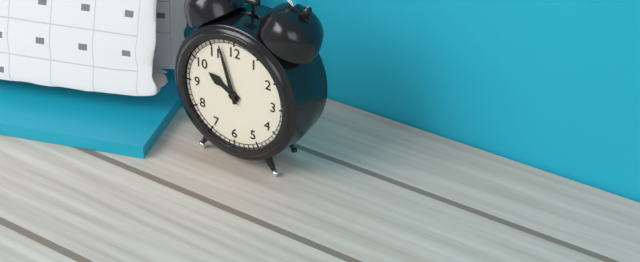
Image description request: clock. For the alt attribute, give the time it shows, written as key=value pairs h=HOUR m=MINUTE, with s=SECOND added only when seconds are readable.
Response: h=9 m=57
